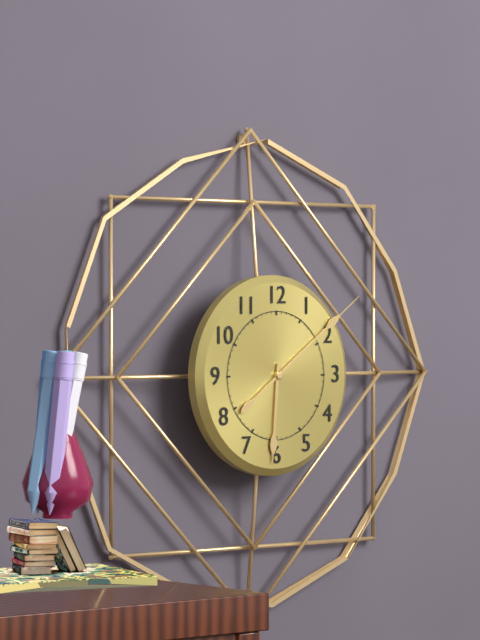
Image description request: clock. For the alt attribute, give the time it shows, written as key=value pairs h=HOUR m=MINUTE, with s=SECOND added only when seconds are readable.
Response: h=6 m=9
